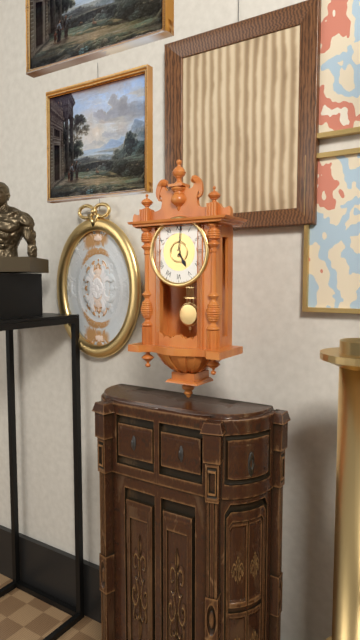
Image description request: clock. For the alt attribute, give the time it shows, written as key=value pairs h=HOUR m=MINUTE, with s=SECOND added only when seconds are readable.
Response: h=5 m=1
